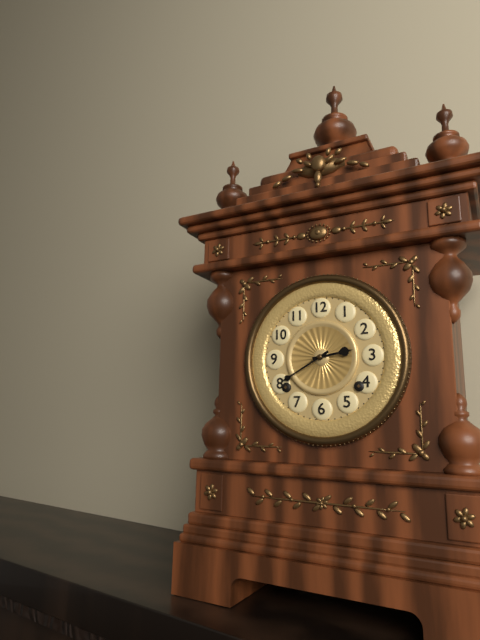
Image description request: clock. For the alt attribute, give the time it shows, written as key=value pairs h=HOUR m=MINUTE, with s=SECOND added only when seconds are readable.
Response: h=2 m=40
